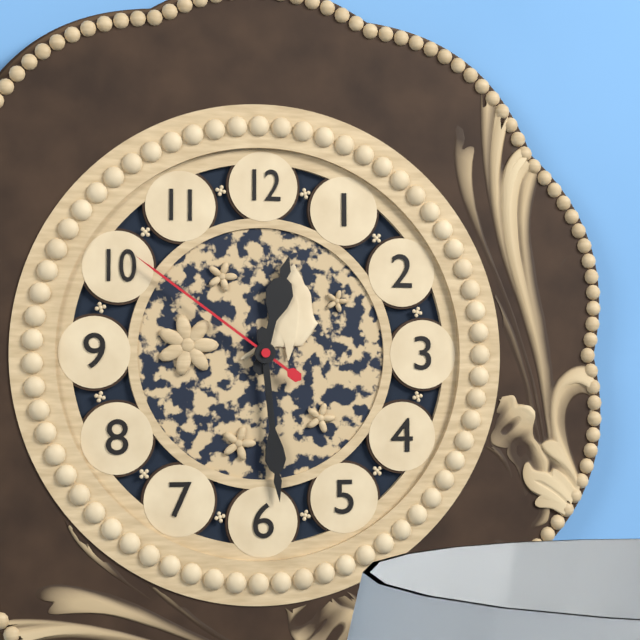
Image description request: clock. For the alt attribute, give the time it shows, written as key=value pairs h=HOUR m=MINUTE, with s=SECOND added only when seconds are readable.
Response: h=12 m=29 s=51
